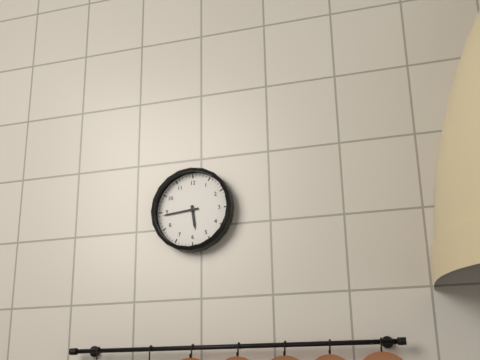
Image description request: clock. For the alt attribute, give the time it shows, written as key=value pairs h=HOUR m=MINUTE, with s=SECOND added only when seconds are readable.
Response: h=5 m=44
